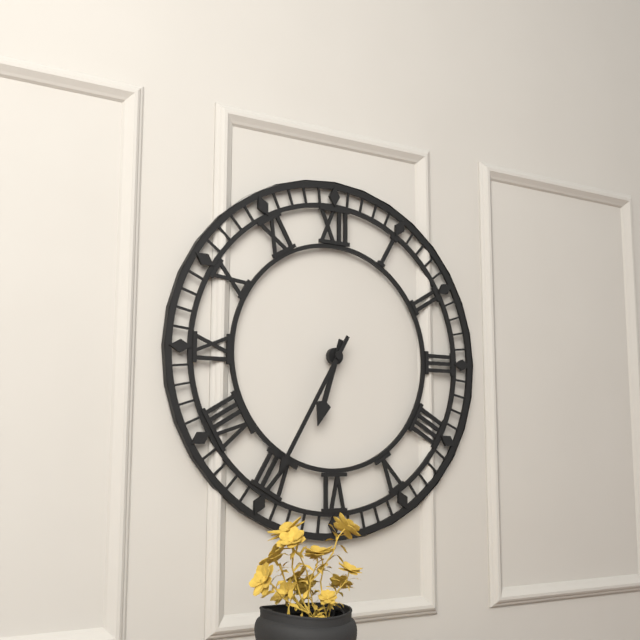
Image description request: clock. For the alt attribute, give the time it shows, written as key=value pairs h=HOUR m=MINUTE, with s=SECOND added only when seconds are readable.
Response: h=6 m=35
